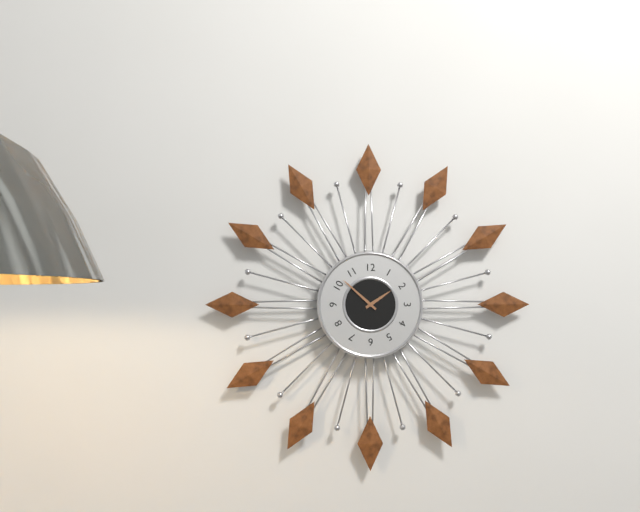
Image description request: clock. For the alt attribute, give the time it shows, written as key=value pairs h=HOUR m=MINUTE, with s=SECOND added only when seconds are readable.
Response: h=1 m=52
